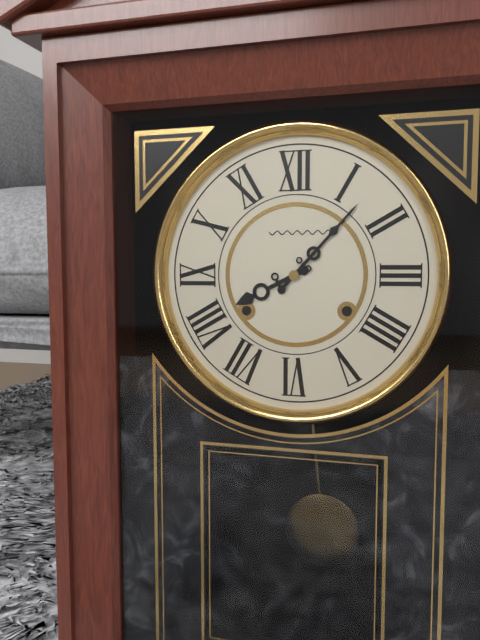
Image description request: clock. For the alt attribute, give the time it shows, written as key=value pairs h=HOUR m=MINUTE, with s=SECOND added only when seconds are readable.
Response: h=8 m=7
